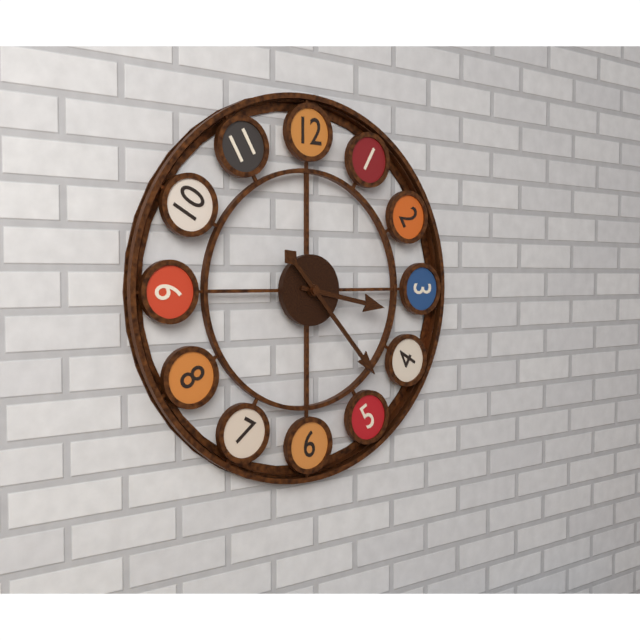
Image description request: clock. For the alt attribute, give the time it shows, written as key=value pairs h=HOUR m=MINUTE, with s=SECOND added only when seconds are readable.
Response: h=3 m=23
